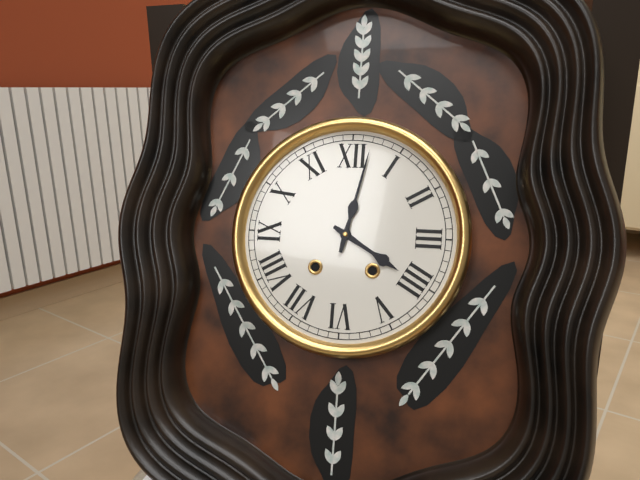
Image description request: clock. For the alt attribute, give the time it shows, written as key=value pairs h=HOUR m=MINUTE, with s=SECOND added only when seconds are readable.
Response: h=4 m=2
